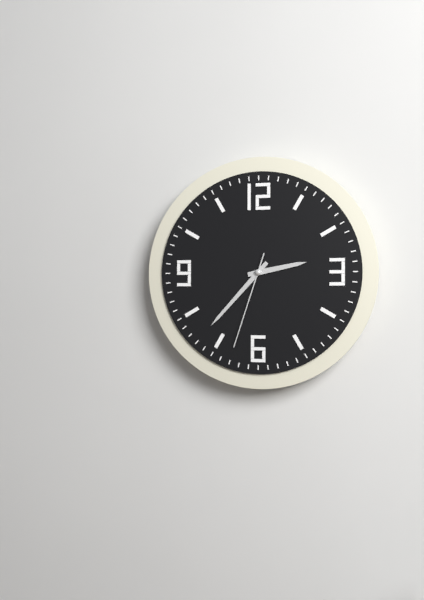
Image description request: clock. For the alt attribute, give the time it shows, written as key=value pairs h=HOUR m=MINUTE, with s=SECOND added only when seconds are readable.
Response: h=2 m=37 s=33
